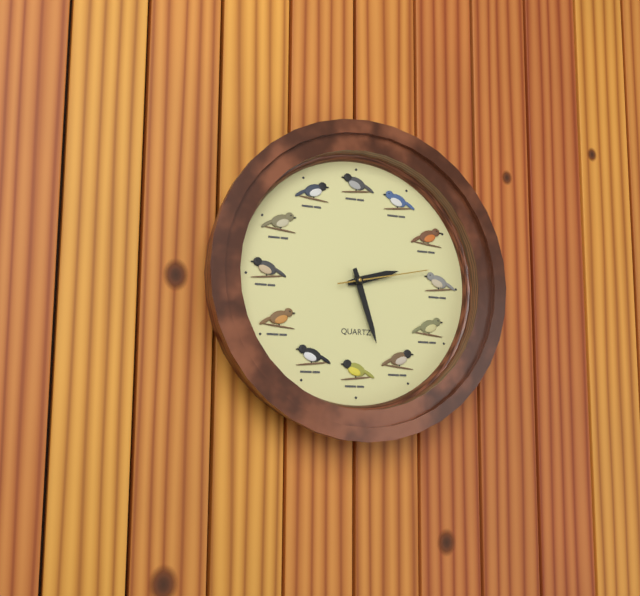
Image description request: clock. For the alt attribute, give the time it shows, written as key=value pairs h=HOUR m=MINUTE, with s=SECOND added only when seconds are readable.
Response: h=2 m=27 s=13
